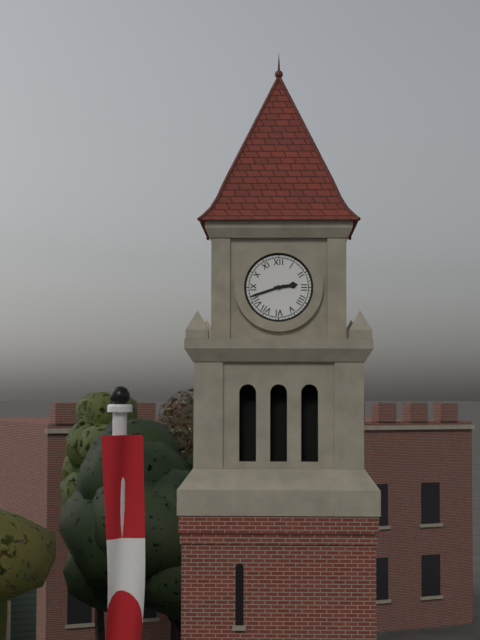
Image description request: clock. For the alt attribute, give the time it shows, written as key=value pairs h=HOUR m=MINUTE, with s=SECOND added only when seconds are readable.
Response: h=2 m=42
